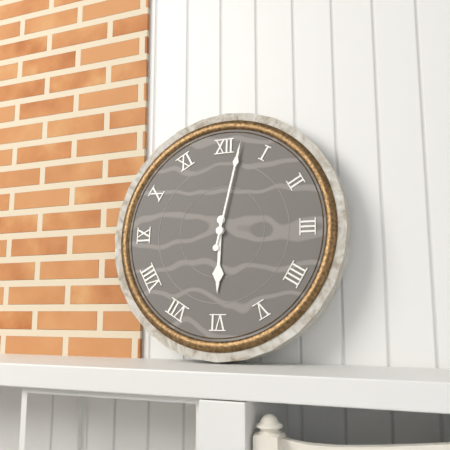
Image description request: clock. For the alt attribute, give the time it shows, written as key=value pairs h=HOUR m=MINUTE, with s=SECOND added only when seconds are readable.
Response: h=6 m=2
